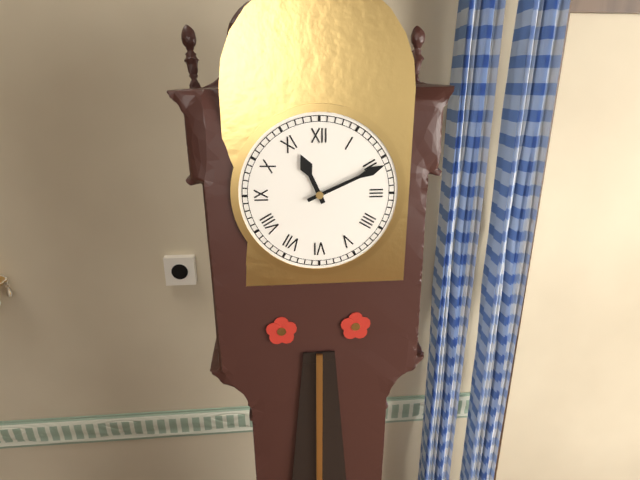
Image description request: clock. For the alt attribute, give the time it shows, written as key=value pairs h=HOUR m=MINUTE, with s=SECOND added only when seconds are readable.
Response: h=11 m=11
